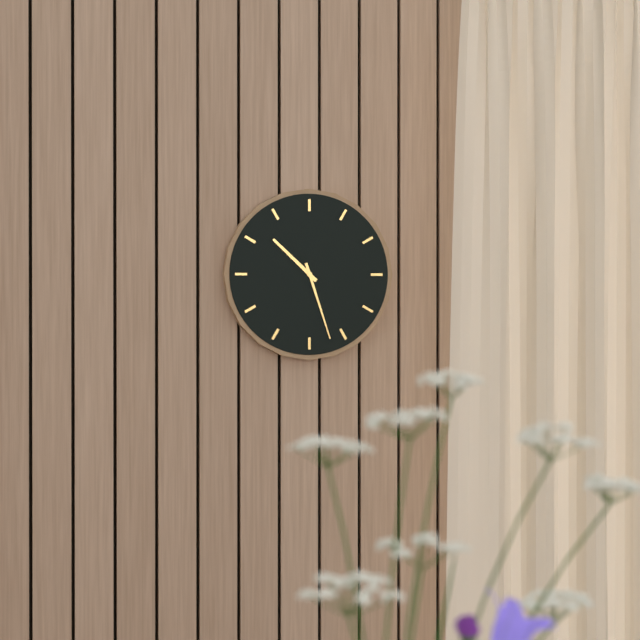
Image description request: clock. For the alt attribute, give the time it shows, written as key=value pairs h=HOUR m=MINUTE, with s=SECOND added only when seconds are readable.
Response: h=10 m=27
